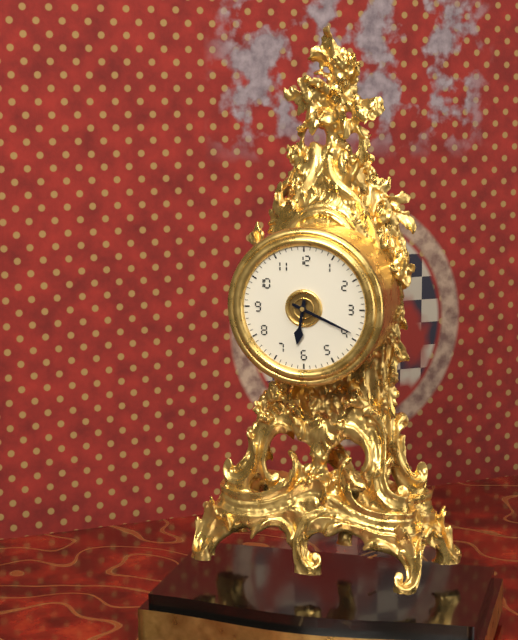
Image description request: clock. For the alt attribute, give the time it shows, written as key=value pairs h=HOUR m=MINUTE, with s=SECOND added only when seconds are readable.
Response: h=6 m=19
